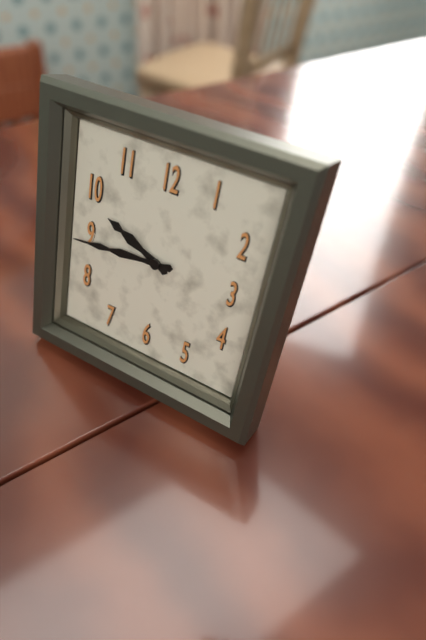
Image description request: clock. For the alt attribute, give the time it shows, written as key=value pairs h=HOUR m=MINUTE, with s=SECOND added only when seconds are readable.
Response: h=9 m=44
